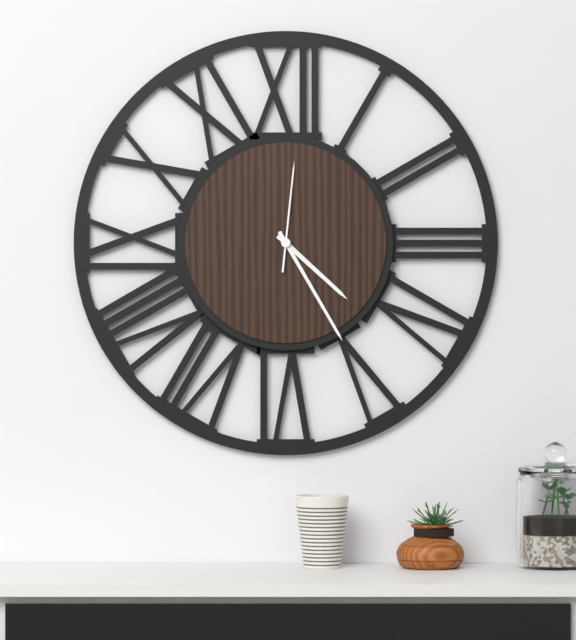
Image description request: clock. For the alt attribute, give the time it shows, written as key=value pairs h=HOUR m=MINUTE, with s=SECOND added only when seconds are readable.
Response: h=4 m=25 s=1
